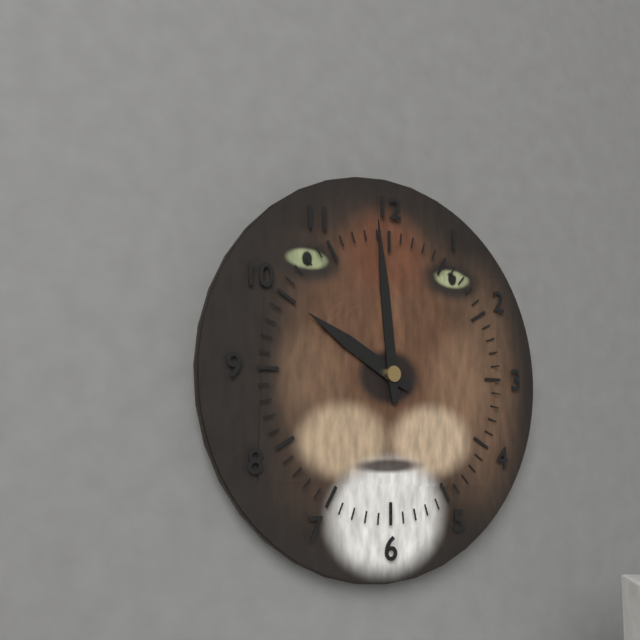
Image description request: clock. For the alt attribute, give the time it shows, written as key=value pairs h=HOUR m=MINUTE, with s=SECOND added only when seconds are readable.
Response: h=9 m=59
